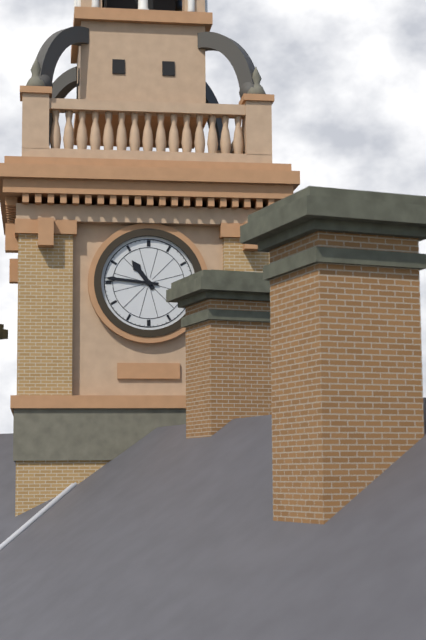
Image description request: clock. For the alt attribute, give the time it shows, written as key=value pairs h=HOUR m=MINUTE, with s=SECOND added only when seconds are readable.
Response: h=10 m=46
